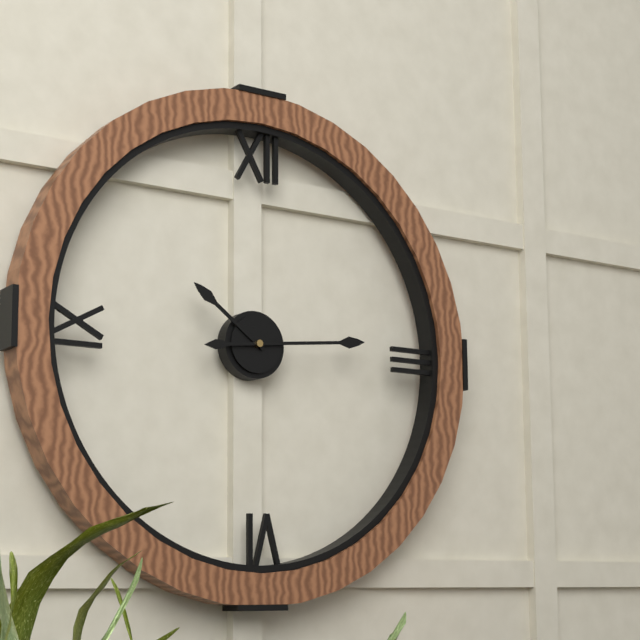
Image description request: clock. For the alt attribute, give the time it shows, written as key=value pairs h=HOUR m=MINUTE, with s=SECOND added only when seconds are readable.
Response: h=10 m=14
